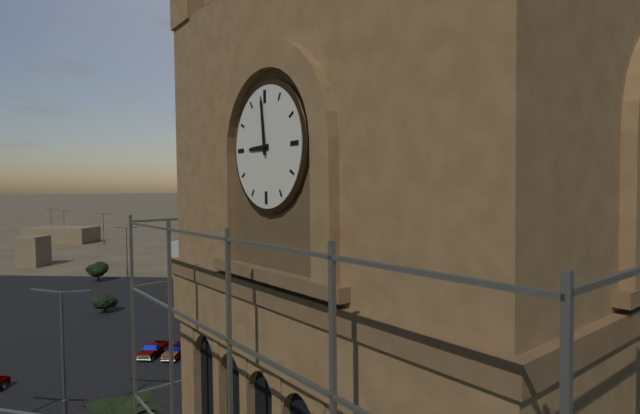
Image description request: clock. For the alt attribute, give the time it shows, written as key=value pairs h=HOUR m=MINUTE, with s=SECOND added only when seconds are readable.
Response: h=8 m=59
